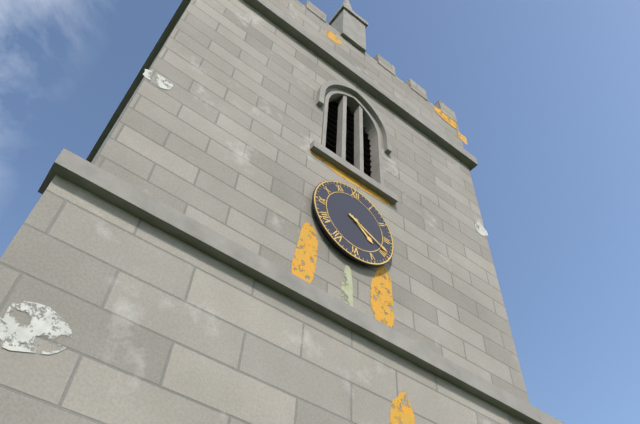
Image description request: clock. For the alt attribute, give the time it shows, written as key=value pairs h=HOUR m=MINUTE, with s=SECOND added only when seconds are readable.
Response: h=4 m=19
